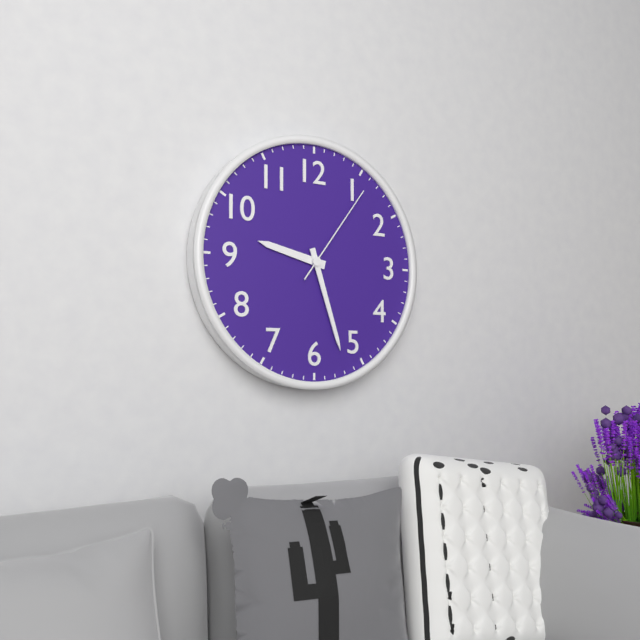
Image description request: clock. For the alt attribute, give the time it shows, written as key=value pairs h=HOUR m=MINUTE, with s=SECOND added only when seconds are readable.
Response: h=9 m=27 s=6
